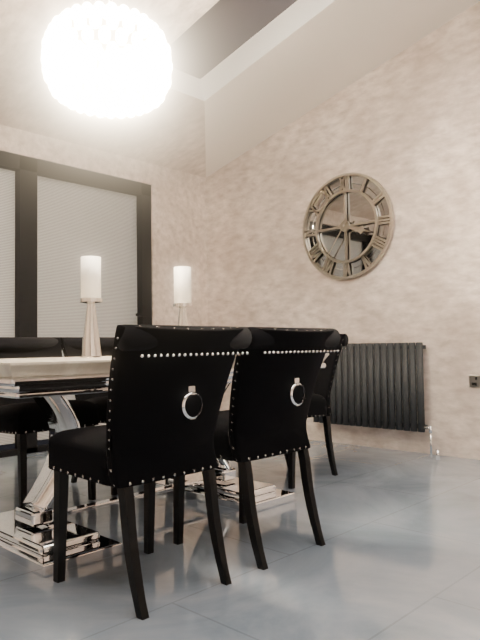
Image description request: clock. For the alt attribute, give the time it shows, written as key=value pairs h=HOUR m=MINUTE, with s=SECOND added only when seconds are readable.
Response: h=3 m=36
